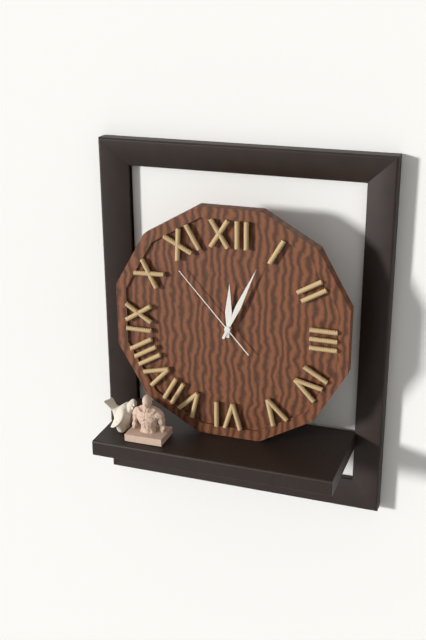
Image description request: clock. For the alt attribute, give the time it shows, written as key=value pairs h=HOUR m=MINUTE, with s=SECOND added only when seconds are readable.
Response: h=12 m=4 s=53
